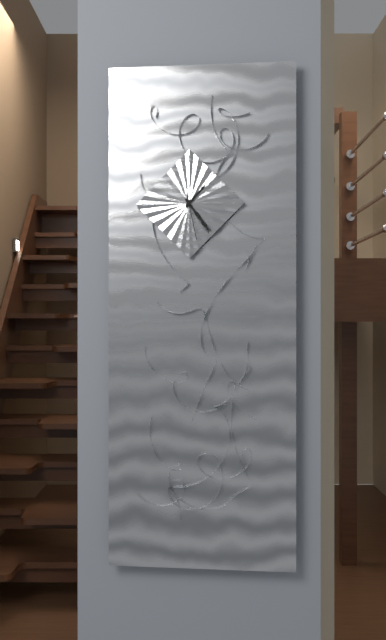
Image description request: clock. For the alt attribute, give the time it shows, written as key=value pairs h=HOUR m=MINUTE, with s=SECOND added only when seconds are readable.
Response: h=1 m=24
